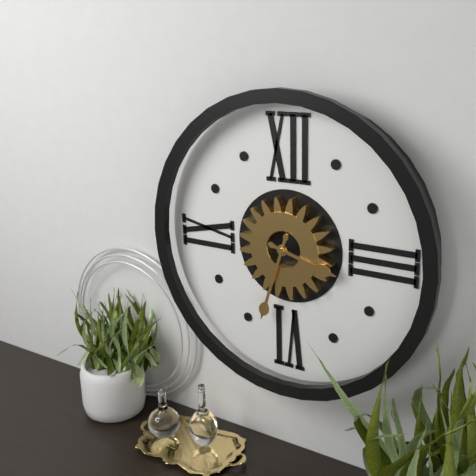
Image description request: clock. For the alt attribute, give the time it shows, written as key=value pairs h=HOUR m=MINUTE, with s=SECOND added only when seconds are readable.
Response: h=3 m=33
